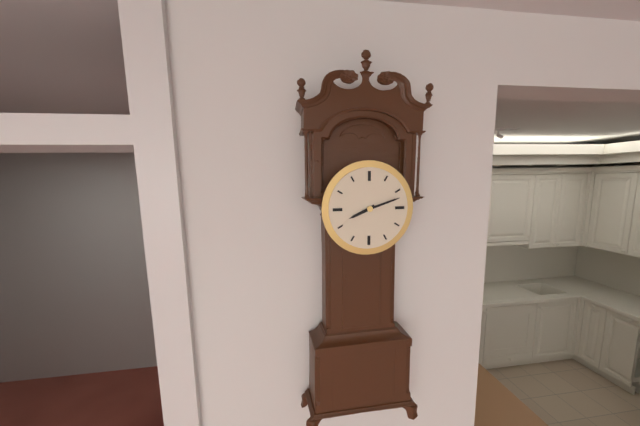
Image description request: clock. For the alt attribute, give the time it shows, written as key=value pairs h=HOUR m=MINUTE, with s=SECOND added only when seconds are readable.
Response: h=8 m=12
